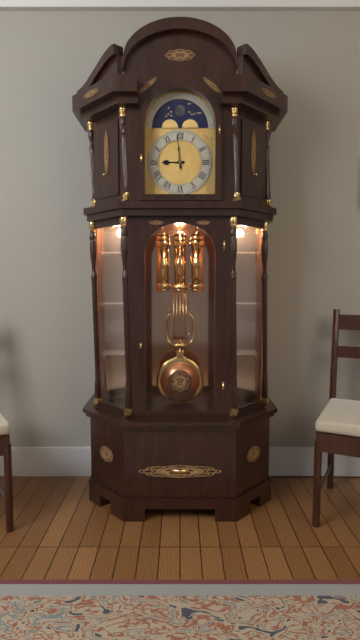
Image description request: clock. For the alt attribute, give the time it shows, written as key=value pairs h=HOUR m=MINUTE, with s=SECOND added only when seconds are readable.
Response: h=8 m=59
